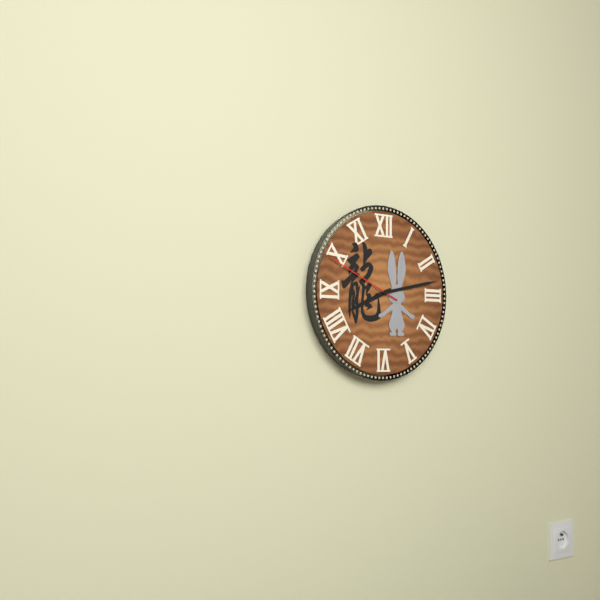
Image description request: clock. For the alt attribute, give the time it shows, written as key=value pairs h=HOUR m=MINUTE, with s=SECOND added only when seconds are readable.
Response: h=8 m=13 s=49
